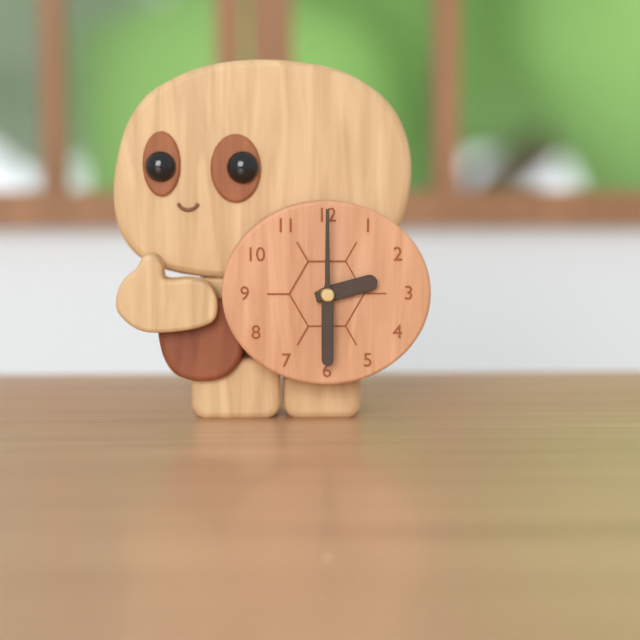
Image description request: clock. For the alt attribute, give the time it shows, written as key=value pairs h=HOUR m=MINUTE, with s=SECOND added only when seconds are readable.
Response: h=2 m=30
